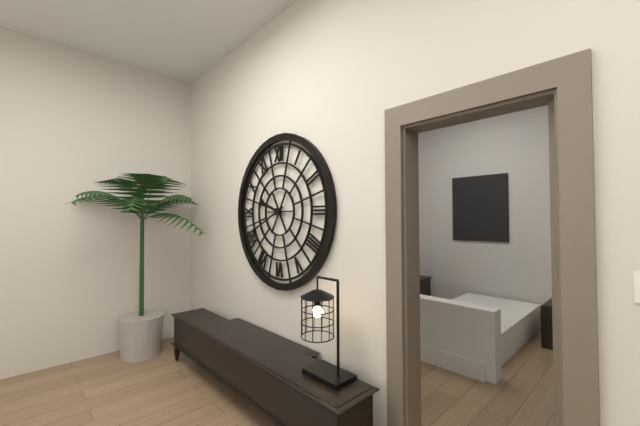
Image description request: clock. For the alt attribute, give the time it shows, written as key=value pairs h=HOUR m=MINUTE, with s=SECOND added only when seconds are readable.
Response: h=9 m=41
